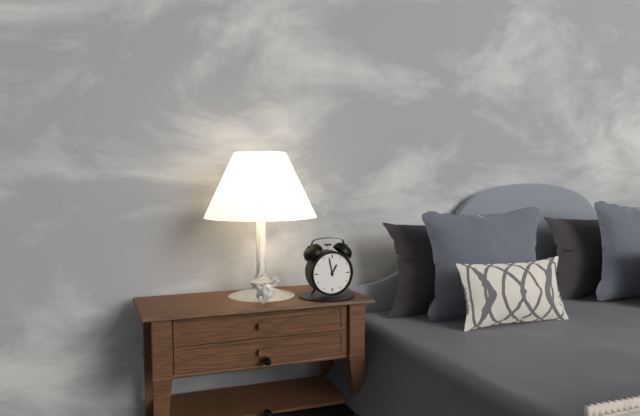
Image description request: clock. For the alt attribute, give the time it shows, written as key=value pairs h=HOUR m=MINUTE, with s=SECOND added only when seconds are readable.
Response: h=12 m=58
